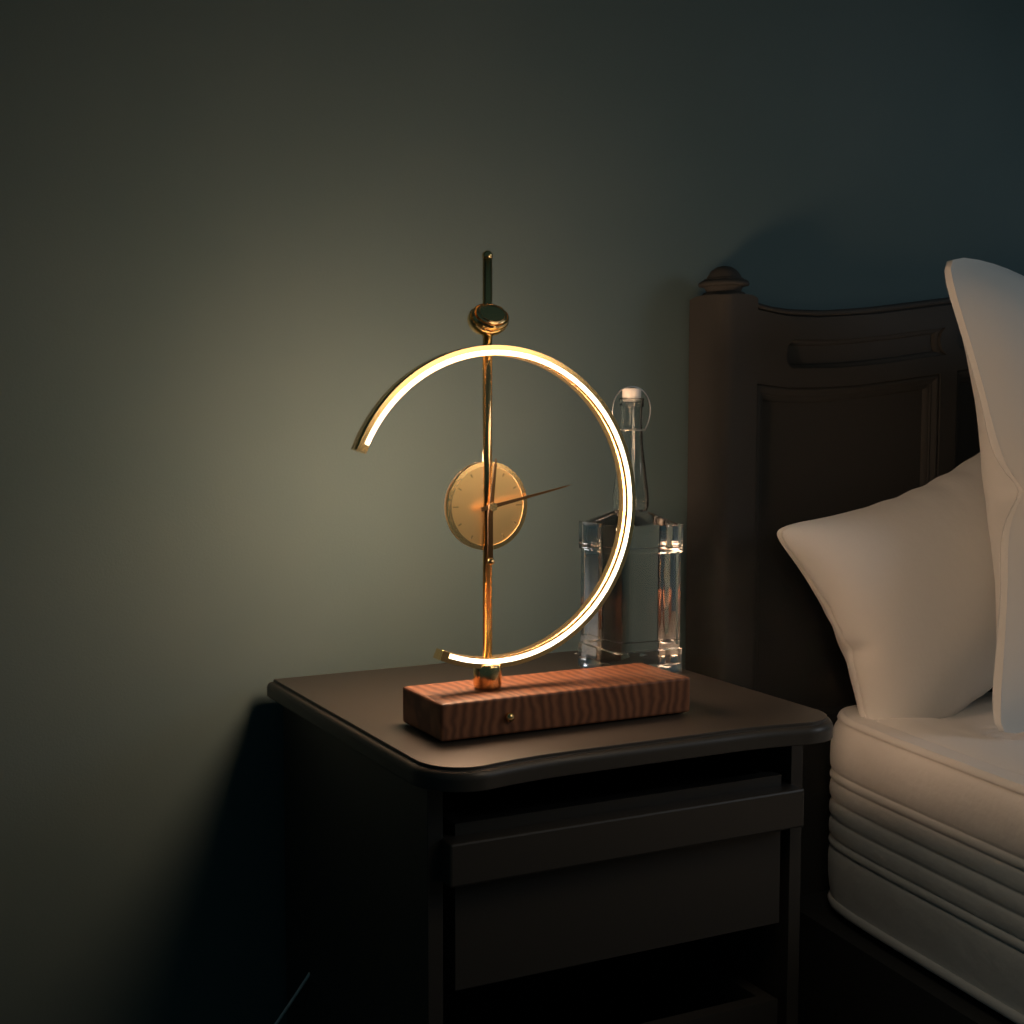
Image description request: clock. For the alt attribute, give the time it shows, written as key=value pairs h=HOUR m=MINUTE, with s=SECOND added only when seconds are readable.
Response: h=12 m=13
